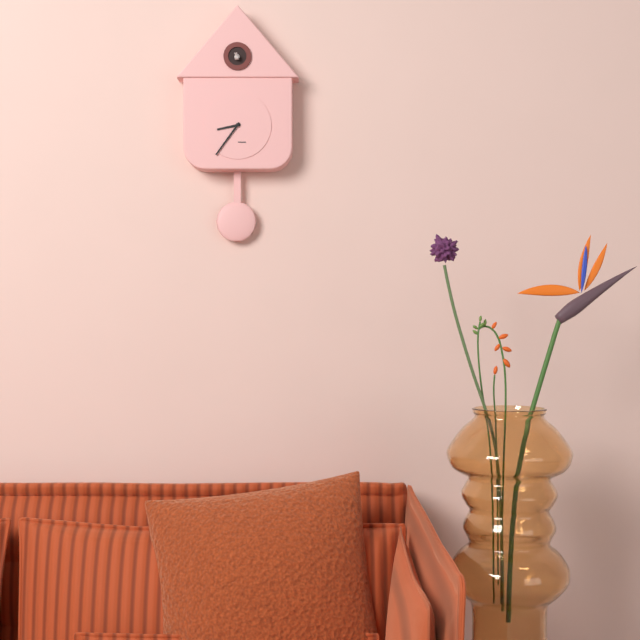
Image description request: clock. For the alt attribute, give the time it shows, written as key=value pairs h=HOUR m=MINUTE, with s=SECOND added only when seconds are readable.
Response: h=8 m=36
